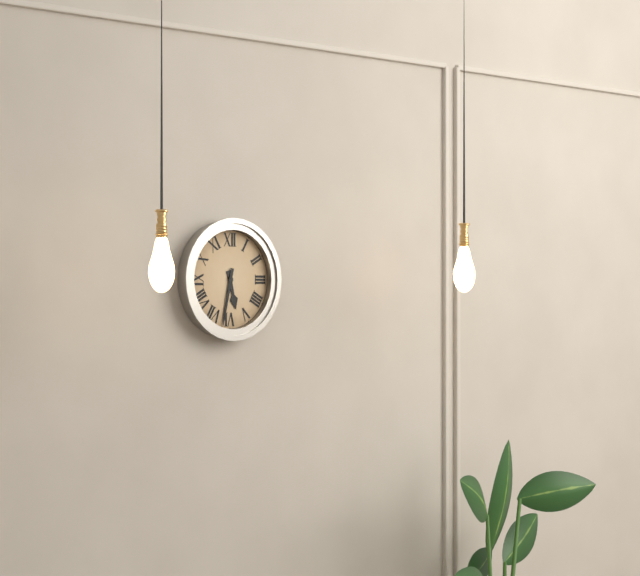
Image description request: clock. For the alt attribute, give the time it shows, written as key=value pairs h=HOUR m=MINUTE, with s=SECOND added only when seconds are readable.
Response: h=5 m=32
